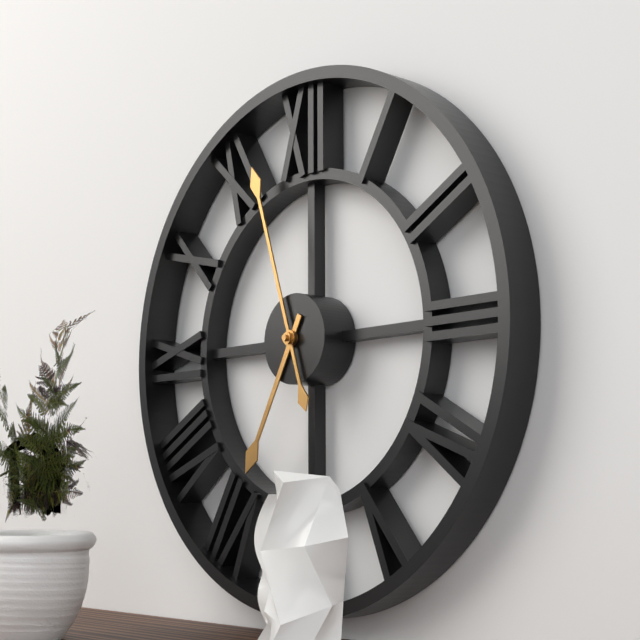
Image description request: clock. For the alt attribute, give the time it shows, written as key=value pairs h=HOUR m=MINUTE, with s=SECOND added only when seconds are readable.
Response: h=6 m=57
